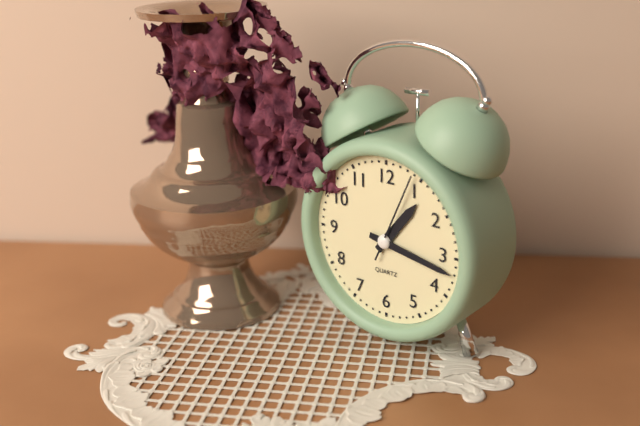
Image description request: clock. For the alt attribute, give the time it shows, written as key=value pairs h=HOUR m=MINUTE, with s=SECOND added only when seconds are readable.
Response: h=1 m=17 s=4
